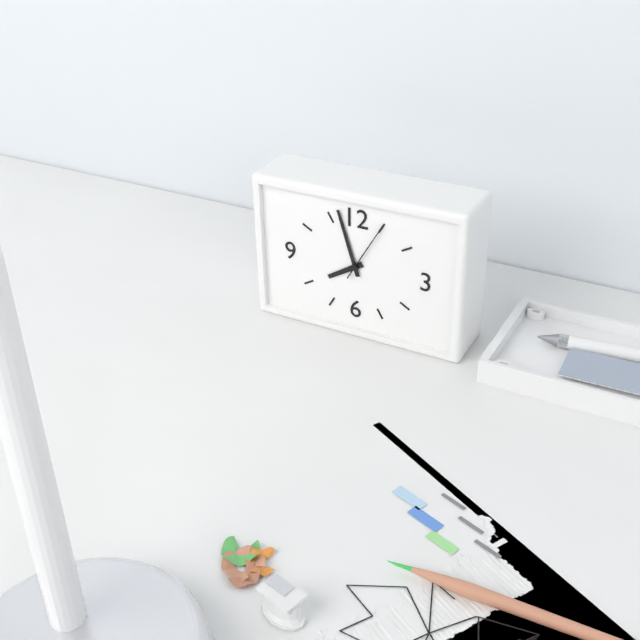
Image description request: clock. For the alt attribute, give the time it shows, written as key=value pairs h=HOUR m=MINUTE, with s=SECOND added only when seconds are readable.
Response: h=7 m=57 s=5
